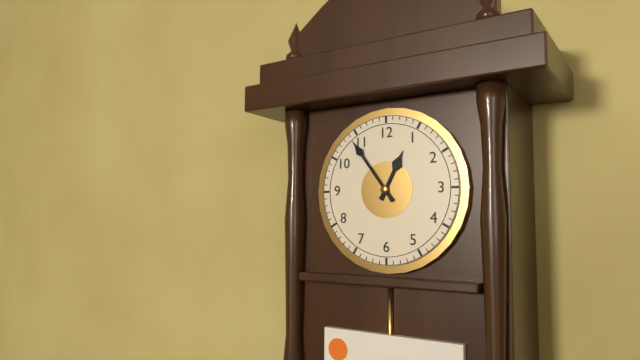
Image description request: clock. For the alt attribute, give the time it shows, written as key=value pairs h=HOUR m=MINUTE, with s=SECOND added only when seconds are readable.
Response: h=12 m=54
